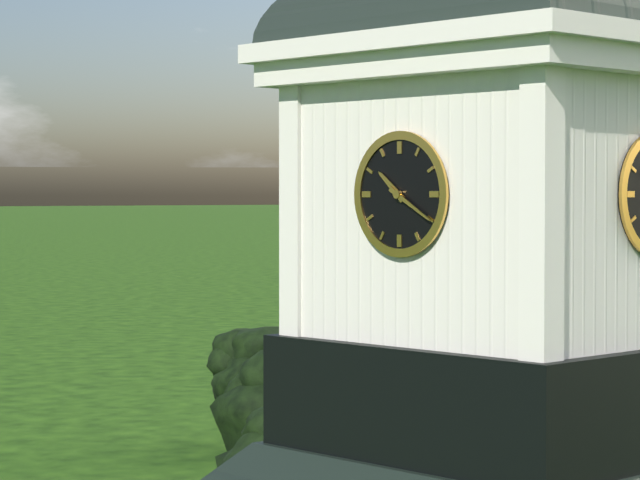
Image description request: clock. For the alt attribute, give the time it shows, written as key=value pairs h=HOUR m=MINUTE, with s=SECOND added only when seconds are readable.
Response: h=10 m=20
